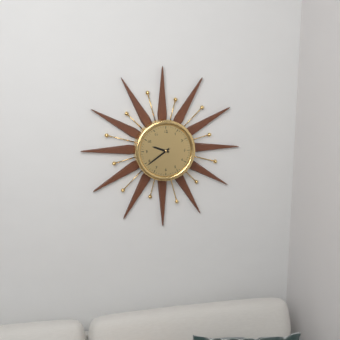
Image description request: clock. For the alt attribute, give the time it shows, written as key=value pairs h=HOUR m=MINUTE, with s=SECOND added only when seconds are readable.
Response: h=9 m=39
